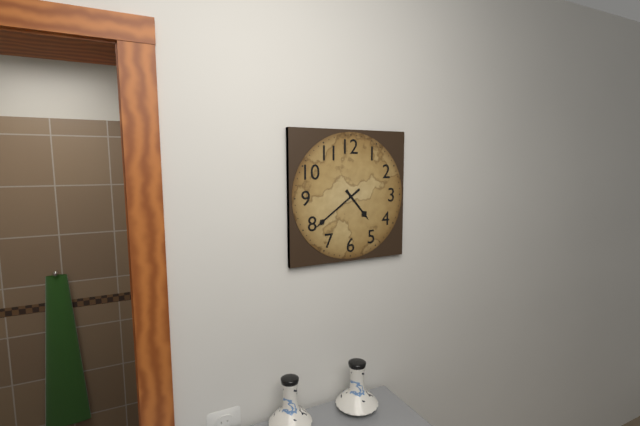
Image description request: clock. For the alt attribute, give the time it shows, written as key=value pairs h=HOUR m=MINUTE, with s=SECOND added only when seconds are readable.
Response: h=4 m=39
